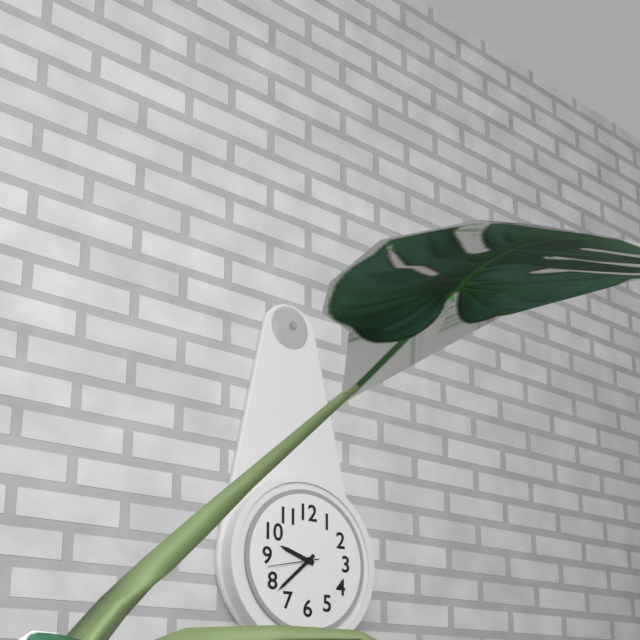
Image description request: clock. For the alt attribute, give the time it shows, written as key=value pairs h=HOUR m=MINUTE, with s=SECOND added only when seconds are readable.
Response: h=9 m=38 s=43
